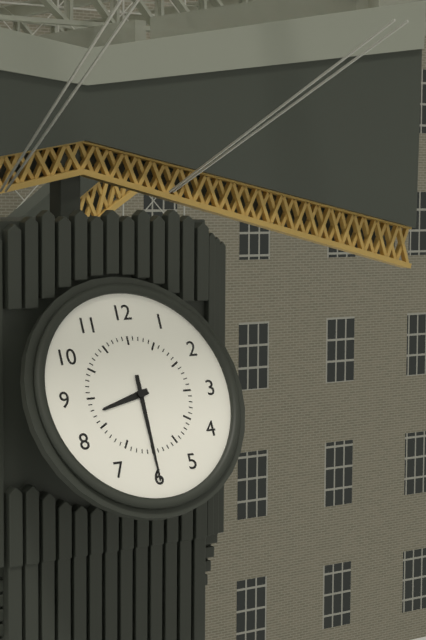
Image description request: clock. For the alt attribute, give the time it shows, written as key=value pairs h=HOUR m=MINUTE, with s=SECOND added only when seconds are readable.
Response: h=8 m=30
